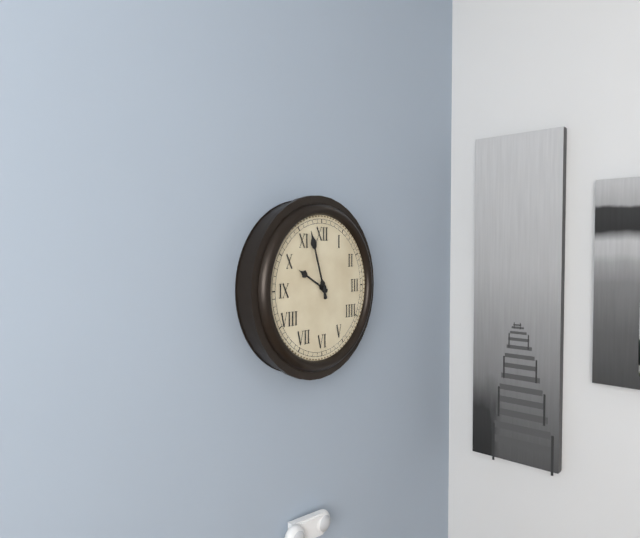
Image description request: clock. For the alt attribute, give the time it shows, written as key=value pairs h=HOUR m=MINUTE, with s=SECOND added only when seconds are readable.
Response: h=9 m=57
